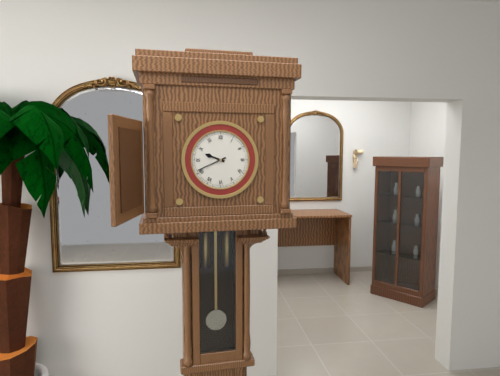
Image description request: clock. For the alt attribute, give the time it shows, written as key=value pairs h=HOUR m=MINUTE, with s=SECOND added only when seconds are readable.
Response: h=9 m=41
